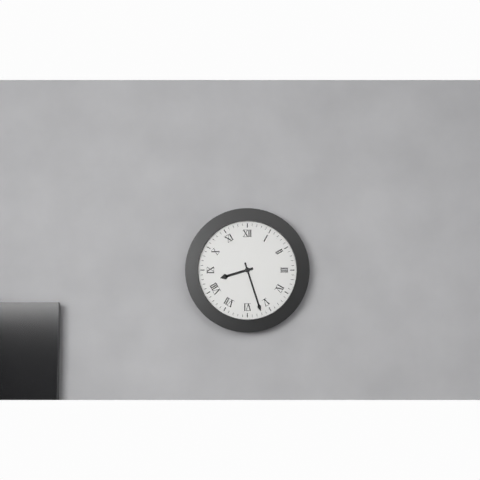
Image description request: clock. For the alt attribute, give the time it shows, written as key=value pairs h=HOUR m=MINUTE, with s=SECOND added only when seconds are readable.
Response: h=8 m=27
